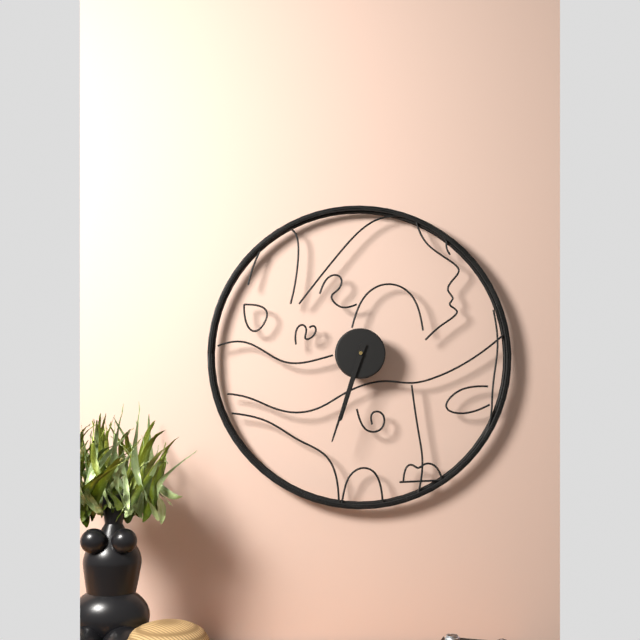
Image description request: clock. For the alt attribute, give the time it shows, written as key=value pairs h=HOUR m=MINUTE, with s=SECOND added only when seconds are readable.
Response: h=6 m=33
